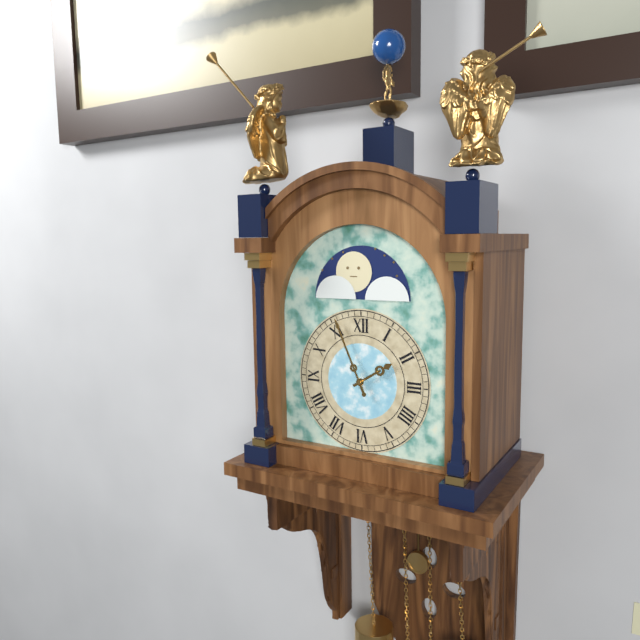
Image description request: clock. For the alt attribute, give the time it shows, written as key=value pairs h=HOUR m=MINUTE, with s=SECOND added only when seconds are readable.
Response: h=1 m=56
